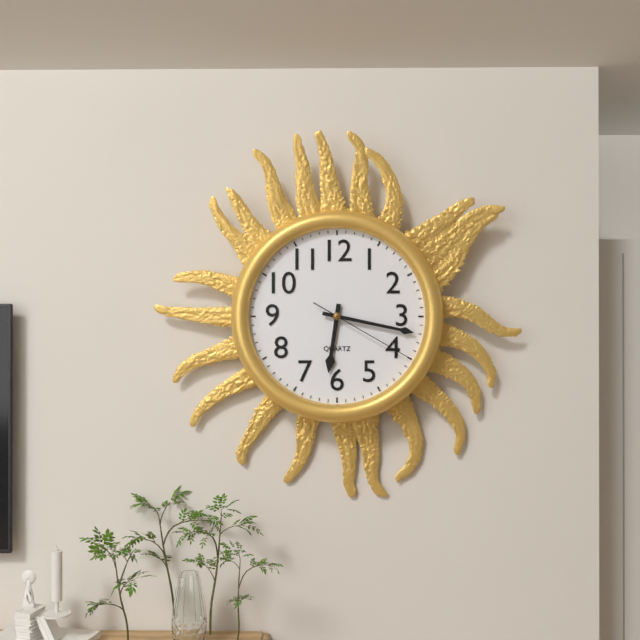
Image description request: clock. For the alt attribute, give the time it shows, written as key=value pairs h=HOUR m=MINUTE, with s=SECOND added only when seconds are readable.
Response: h=6 m=17 s=20
